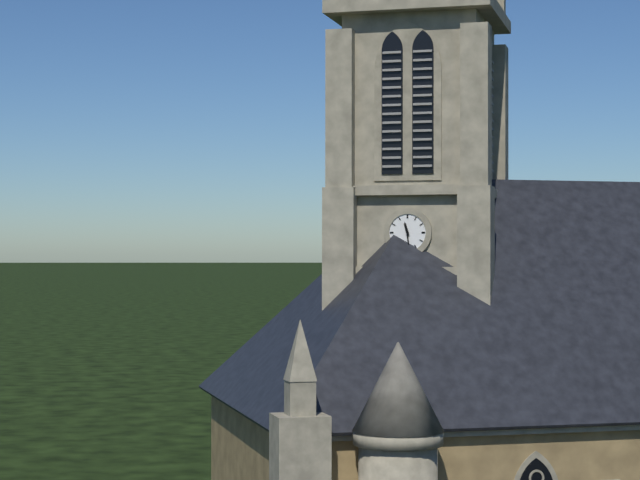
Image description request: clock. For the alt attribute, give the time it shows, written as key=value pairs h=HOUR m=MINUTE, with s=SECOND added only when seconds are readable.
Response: h=11 m=29
